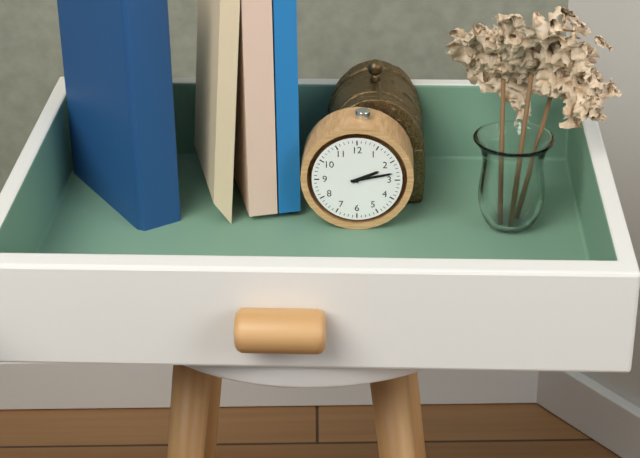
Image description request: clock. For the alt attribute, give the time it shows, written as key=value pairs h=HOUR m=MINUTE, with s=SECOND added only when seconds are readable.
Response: h=2 m=13
